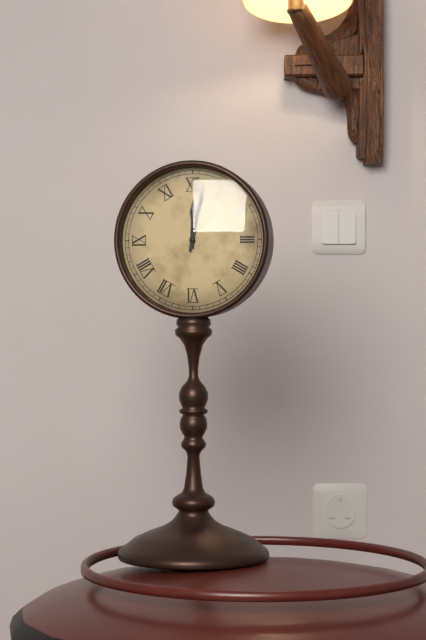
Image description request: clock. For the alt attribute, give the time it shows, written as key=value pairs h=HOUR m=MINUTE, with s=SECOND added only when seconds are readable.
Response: h=12 m=2
